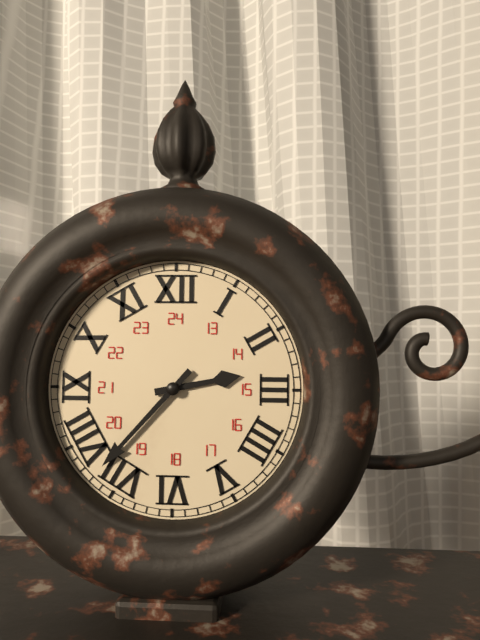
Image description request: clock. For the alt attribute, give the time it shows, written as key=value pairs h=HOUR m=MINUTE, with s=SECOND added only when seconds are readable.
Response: h=2 m=37
